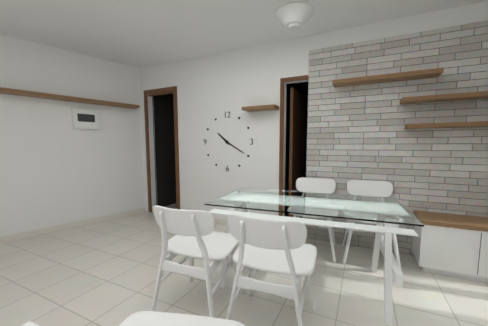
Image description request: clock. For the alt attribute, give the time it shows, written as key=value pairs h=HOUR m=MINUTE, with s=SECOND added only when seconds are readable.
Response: h=10 m=20
